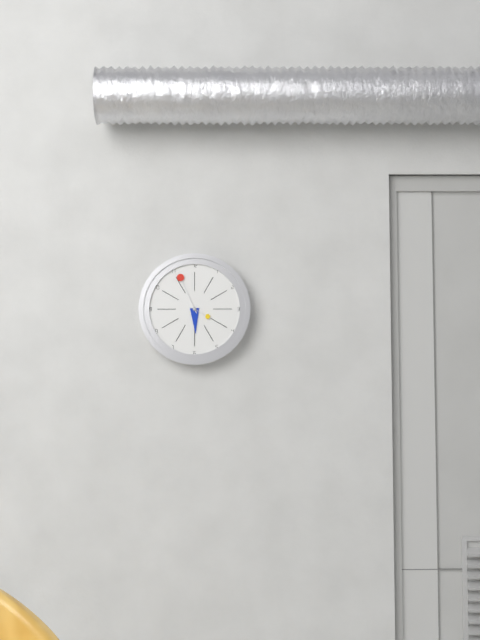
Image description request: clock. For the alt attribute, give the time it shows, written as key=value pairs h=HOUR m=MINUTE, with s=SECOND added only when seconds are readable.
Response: h=5 m=56
